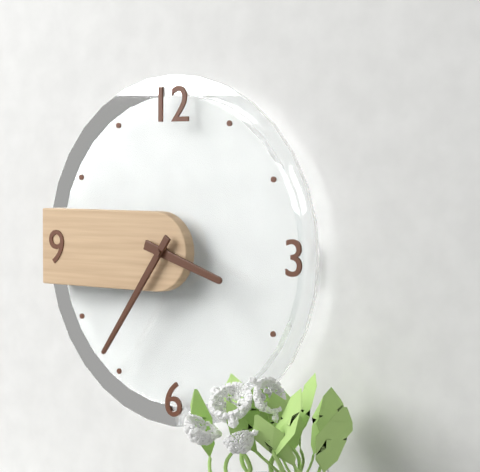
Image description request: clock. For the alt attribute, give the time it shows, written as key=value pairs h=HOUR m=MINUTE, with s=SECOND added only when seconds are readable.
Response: h=3 m=36
